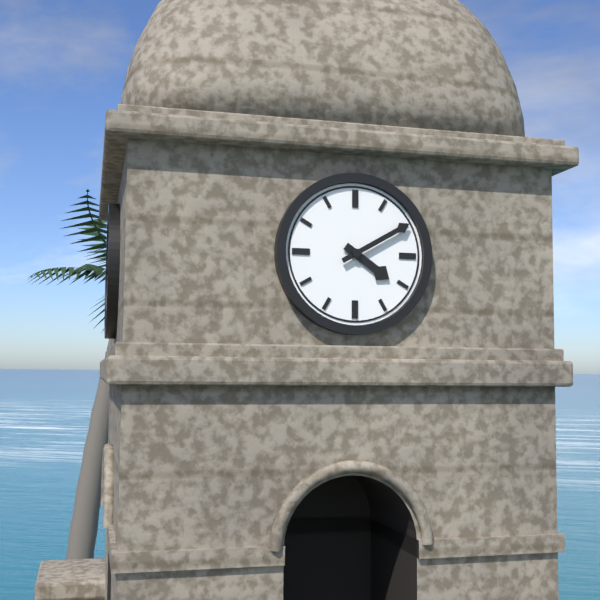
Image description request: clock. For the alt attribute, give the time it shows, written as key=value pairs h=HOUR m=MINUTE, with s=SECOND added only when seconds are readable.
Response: h=4 m=10
